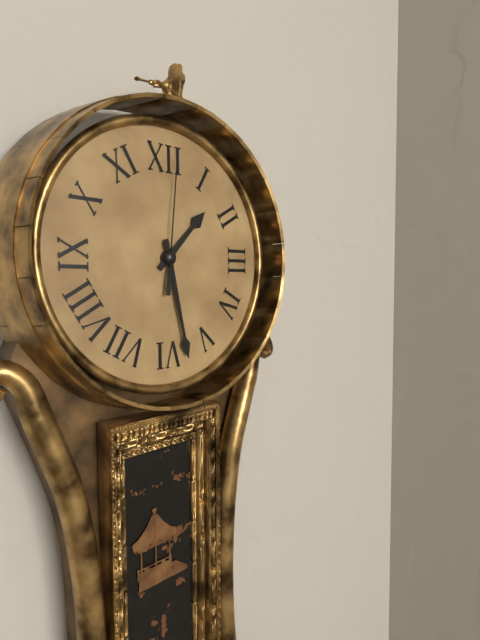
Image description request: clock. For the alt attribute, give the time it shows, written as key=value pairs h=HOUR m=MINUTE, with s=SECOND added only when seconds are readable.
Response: h=1 m=28 s=1
